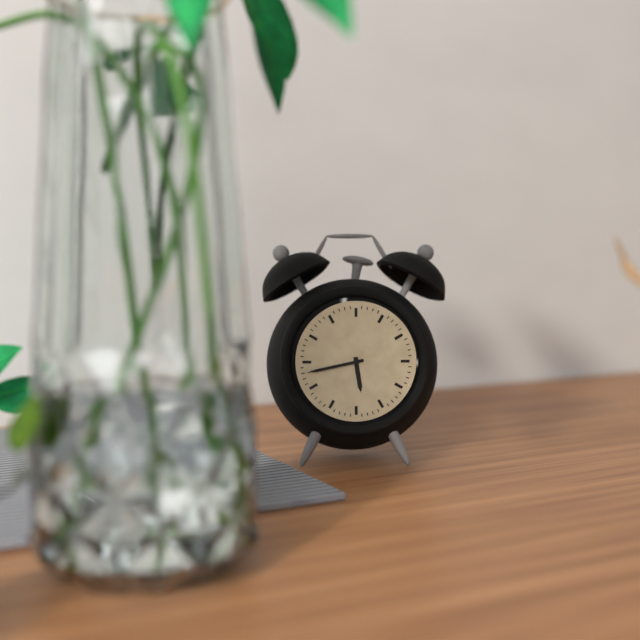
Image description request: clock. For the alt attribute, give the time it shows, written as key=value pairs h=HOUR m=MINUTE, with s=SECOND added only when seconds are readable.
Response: h=5 m=43
